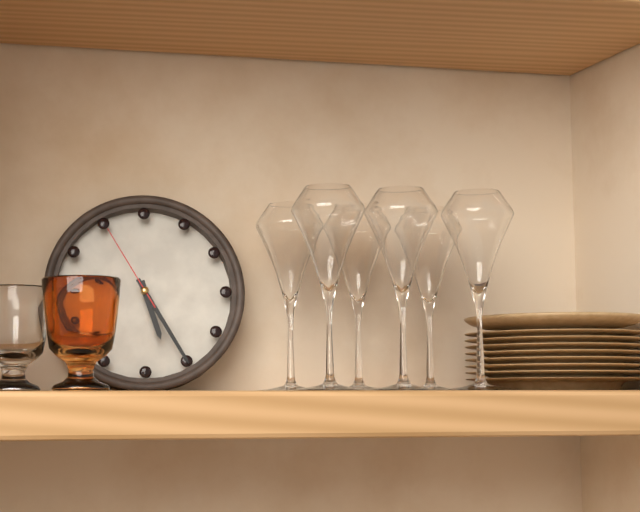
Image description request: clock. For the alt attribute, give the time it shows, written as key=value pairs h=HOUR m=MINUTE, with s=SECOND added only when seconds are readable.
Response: h=5 m=25 s=55
